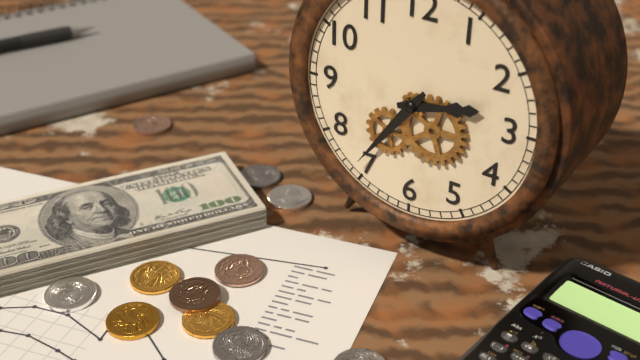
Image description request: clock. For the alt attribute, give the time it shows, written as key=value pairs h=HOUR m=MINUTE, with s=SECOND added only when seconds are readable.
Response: h=2 m=36
